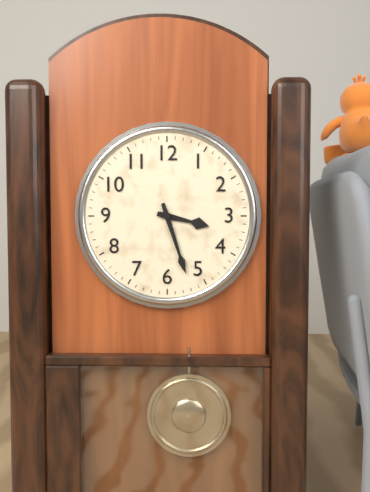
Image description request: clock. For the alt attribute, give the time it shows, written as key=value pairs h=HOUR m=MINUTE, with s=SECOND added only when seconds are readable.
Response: h=3 m=27
